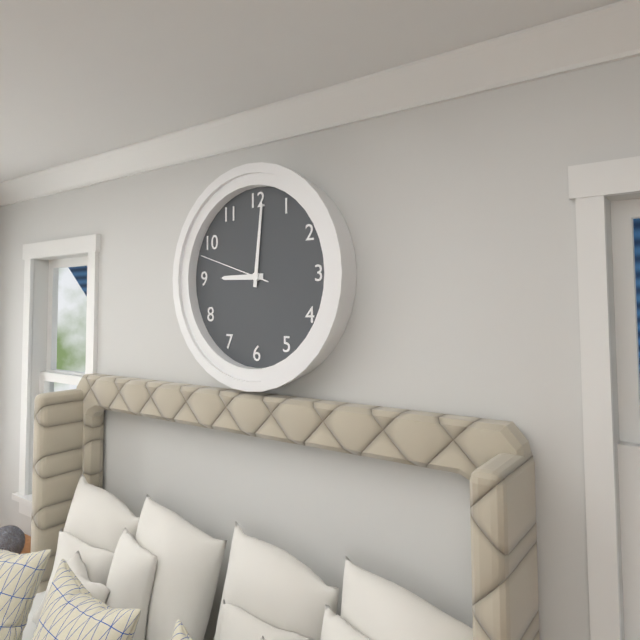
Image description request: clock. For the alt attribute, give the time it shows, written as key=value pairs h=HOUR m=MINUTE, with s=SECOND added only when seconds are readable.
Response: h=9 m=1 s=48
